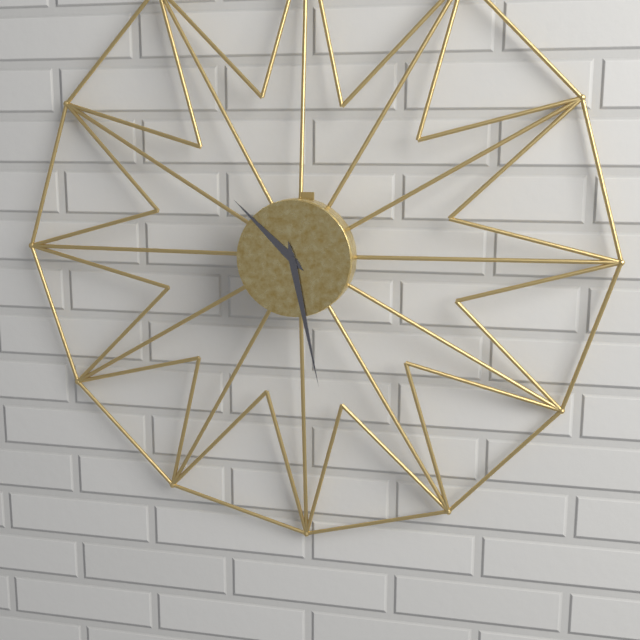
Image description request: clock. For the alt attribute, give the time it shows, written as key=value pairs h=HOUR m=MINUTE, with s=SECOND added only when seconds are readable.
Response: h=10 m=28
